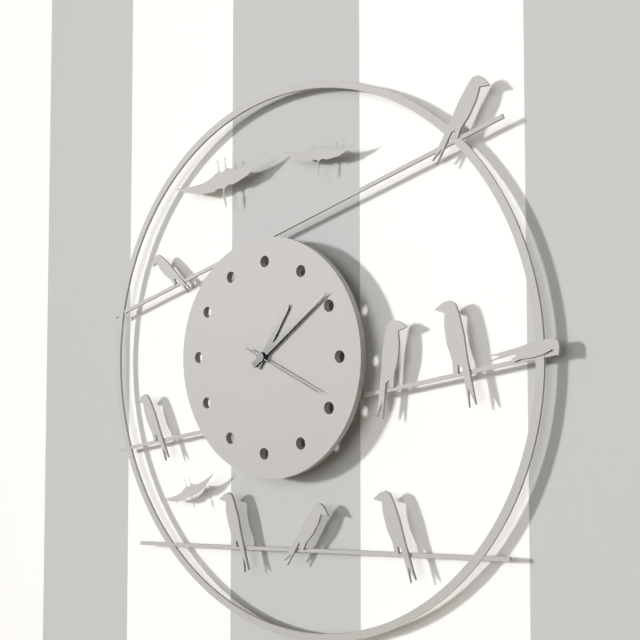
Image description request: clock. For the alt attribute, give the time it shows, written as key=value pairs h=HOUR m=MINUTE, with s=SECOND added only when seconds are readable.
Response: h=1 m=9 s=19
